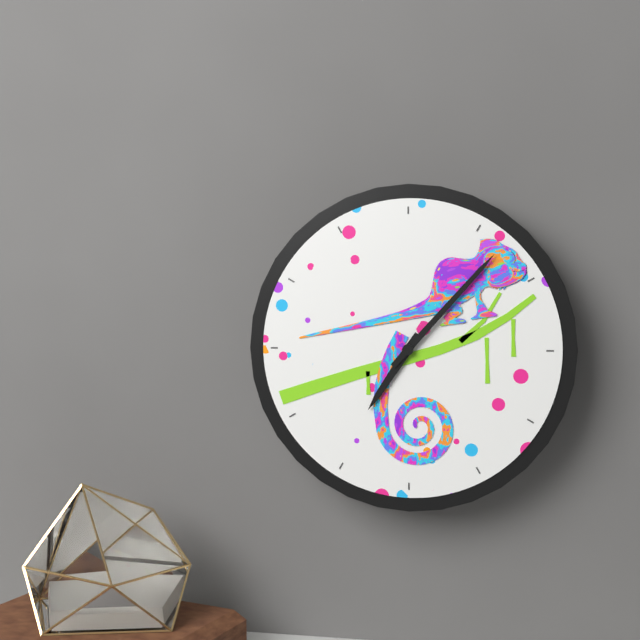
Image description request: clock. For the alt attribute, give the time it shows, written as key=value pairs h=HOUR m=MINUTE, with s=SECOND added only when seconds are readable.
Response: h=7 m=7
